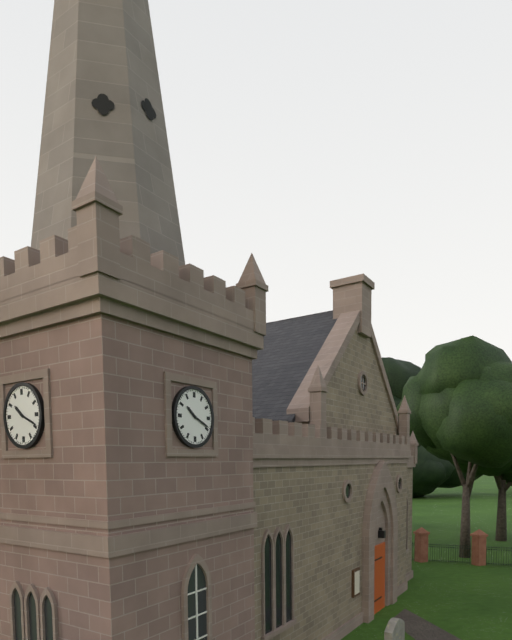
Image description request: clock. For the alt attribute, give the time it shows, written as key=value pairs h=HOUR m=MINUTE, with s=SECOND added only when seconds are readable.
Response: h=10 m=19
